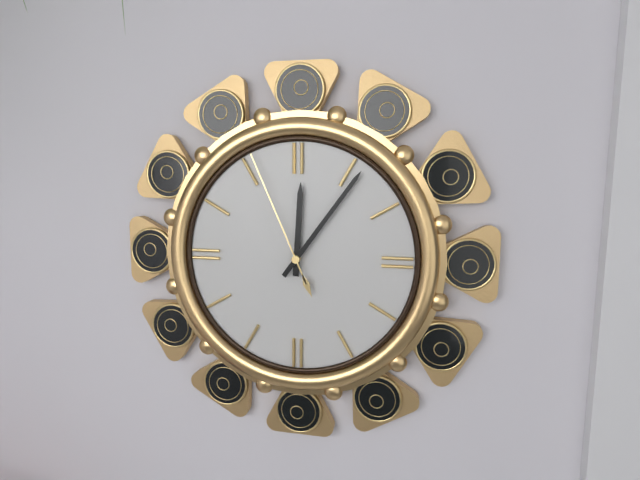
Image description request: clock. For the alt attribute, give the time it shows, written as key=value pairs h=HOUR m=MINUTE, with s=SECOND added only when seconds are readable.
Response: h=12 m=6 s=56
